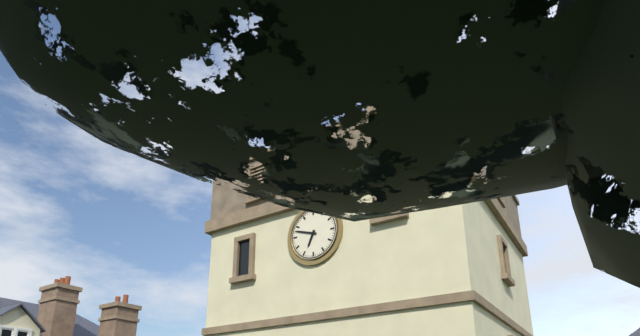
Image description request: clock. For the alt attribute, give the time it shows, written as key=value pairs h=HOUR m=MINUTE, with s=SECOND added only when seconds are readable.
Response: h=6 m=48
